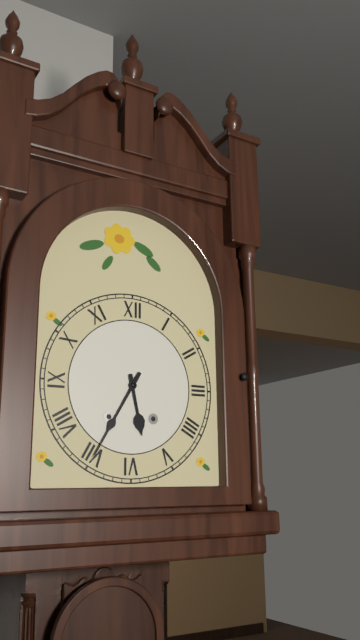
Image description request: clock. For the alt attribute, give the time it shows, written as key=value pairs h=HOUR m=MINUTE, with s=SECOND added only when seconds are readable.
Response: h=5 m=35
